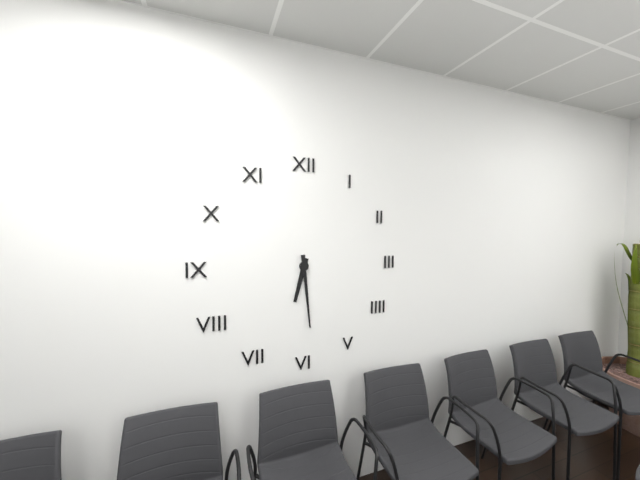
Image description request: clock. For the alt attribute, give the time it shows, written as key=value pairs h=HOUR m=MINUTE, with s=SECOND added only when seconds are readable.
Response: h=6 m=29
